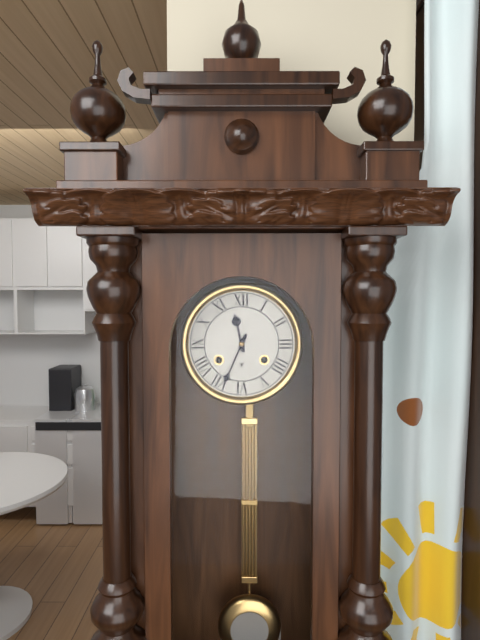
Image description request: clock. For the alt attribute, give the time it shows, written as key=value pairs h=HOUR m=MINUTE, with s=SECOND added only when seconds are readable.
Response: h=11 m=34
